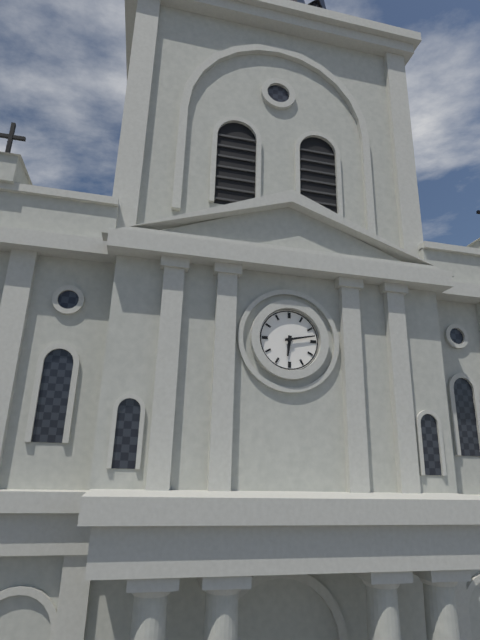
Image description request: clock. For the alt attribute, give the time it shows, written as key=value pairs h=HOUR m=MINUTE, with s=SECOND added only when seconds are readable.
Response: h=6 m=13
